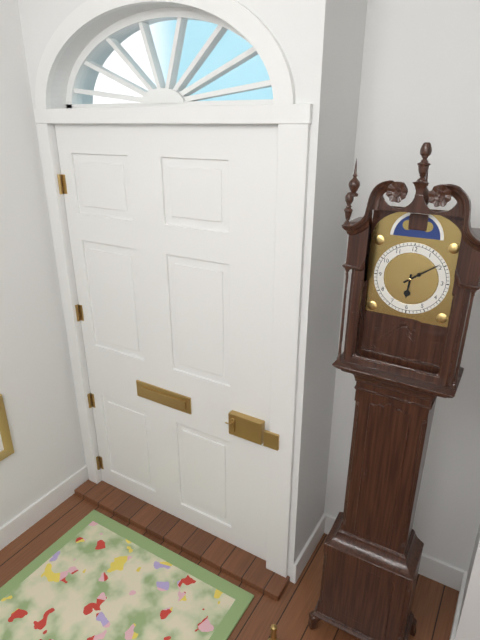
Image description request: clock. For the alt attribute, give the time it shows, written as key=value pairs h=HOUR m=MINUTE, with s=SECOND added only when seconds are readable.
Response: h=6 m=9
